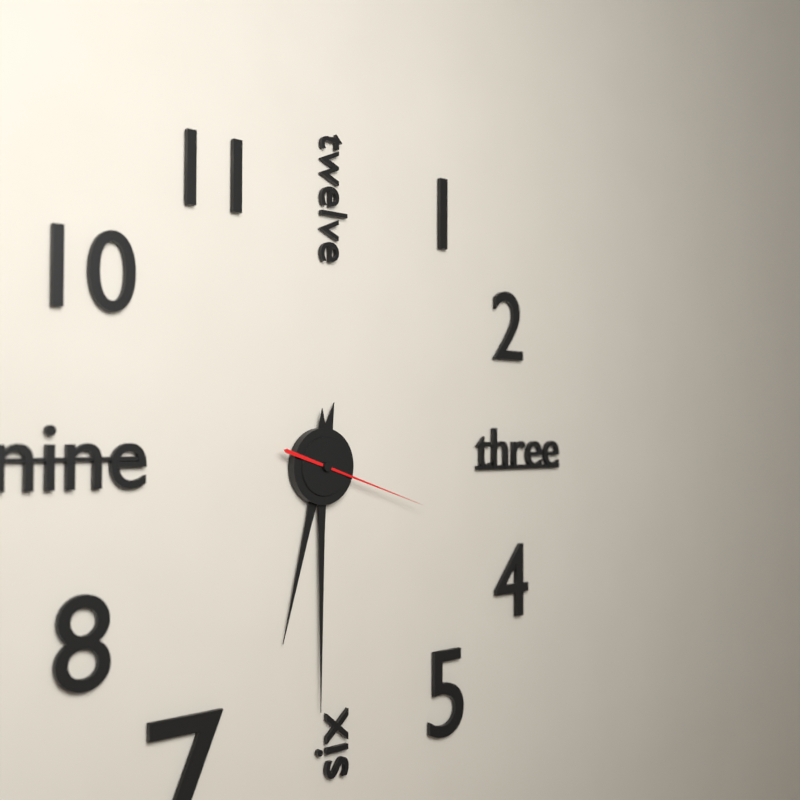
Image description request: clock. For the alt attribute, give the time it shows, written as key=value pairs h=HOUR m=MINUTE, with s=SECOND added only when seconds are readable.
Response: h=6 m=30 s=18
